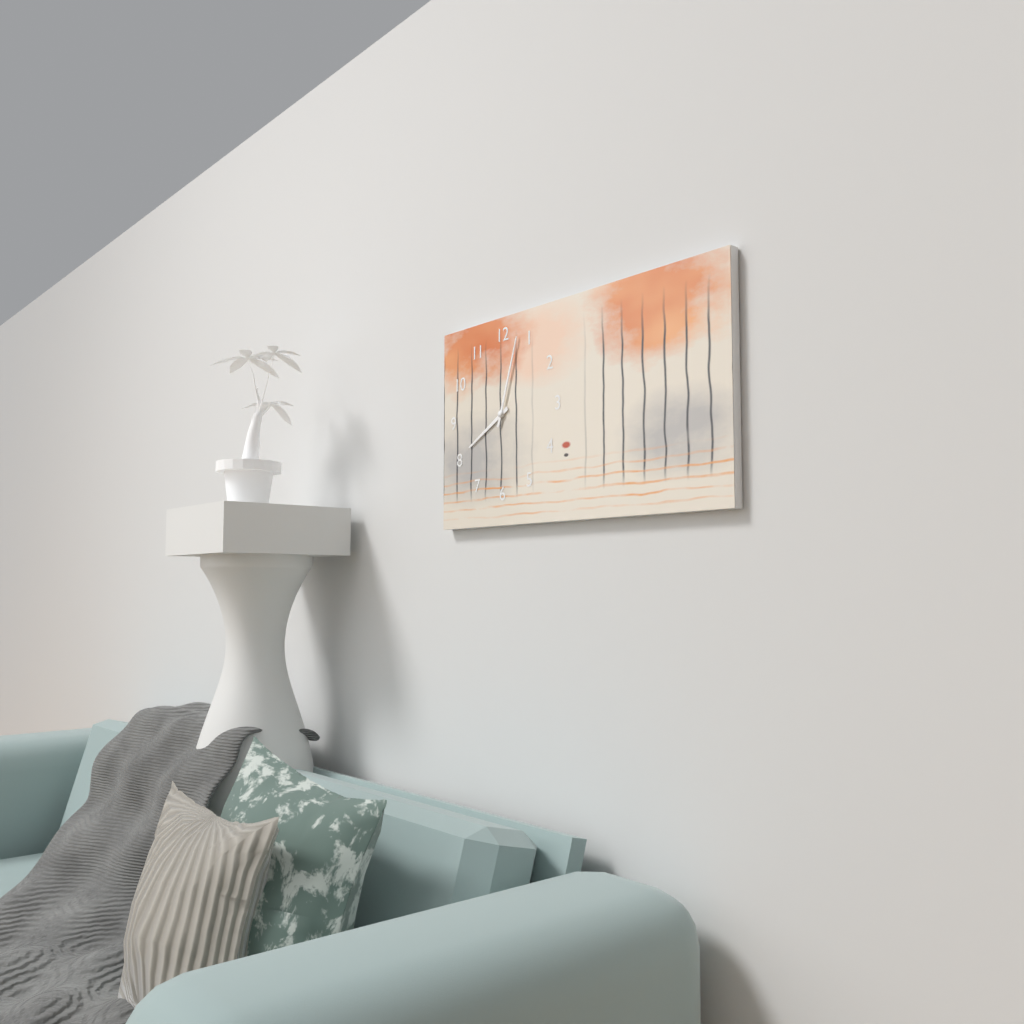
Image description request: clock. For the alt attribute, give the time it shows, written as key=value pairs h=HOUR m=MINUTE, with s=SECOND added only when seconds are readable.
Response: h=8 m=3
